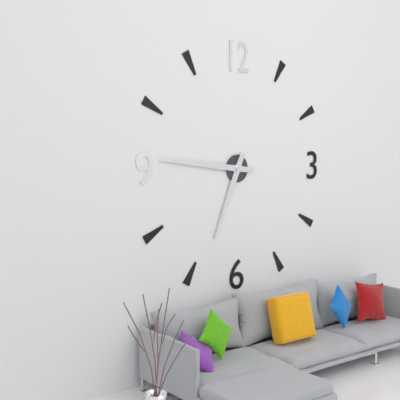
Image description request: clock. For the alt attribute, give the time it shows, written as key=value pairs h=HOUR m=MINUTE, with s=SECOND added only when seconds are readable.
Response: h=6 m=46
